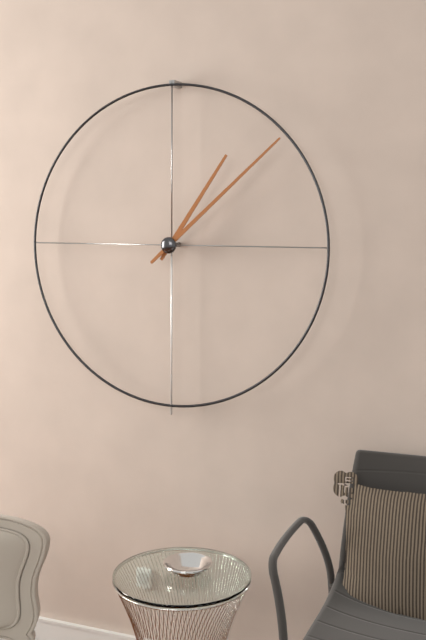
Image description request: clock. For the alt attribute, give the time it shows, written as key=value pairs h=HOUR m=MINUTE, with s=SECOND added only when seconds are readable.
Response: h=1 m=8
